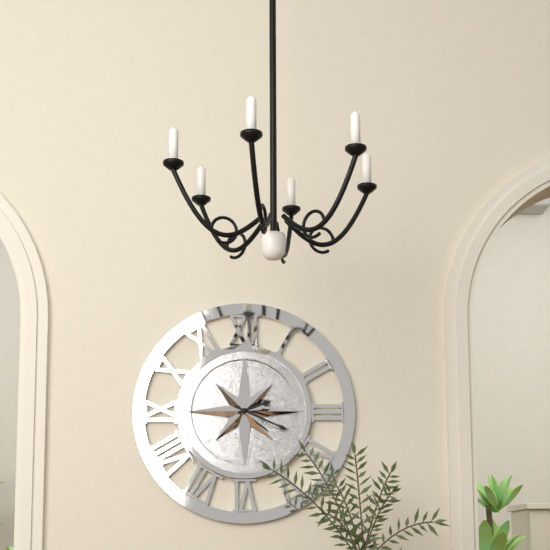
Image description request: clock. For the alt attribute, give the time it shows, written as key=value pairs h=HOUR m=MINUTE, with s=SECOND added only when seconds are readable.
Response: h=2 m=19
